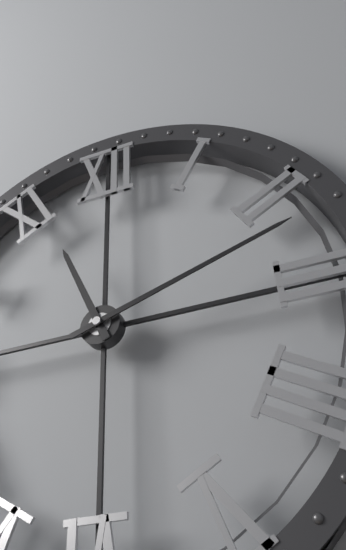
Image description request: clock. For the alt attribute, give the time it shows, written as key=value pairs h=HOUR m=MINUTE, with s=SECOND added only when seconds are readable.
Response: h=11 m=12
